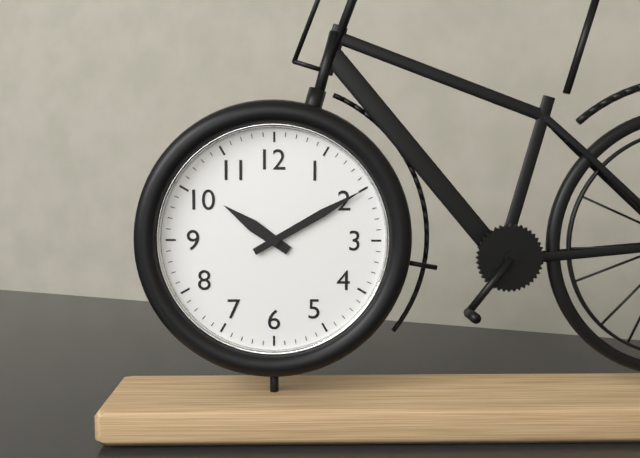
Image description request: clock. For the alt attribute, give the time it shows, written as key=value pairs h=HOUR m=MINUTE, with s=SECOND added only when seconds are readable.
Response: h=10 m=10
